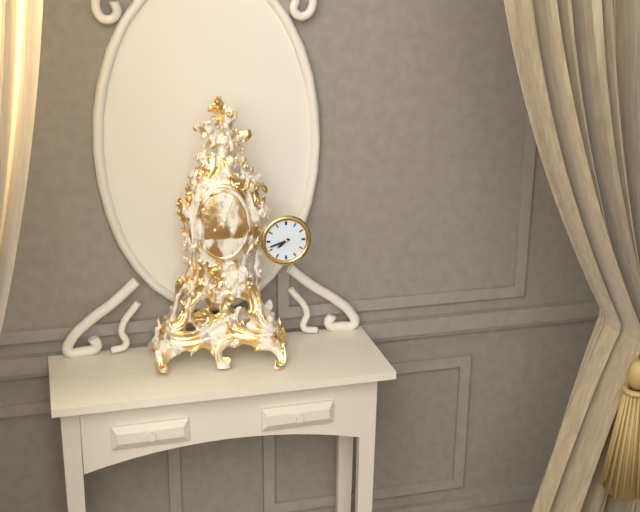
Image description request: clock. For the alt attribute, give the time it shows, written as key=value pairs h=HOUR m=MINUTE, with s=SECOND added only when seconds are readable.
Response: h=7 m=42
